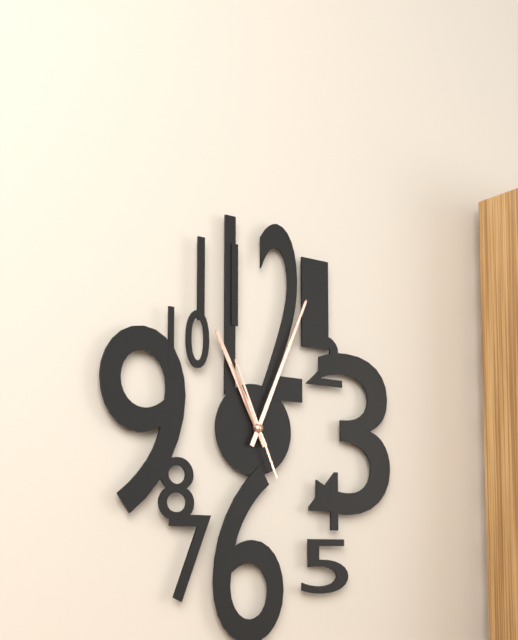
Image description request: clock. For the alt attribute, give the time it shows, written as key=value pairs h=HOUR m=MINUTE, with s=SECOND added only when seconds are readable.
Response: h=11 m=4 s=56
